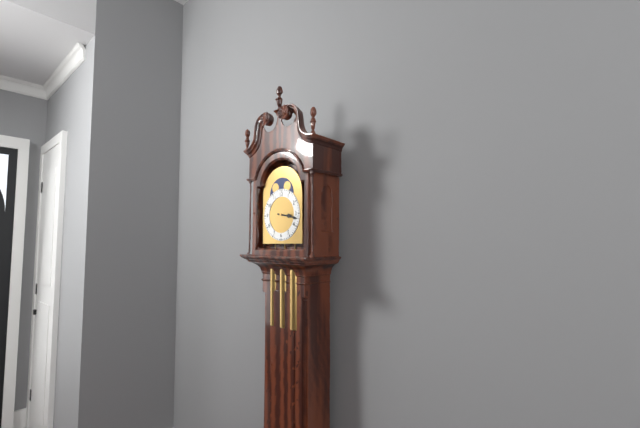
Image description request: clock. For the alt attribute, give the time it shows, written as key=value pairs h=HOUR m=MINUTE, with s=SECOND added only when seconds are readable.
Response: h=3 m=17
